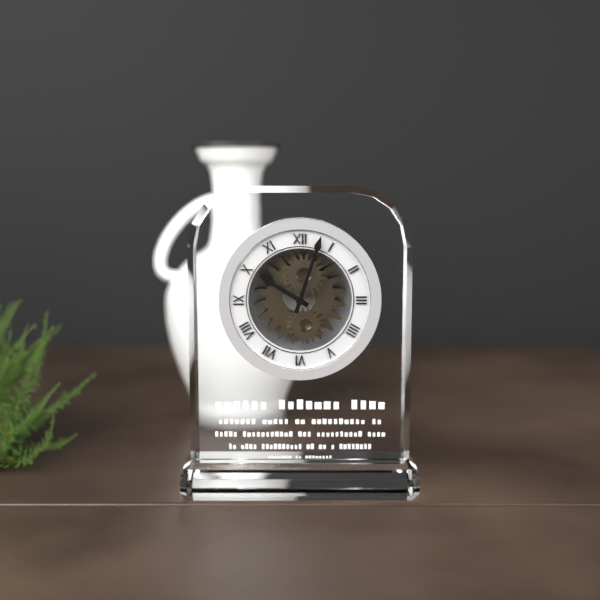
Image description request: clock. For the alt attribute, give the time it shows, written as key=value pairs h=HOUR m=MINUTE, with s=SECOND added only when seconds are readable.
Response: h=10 m=3
